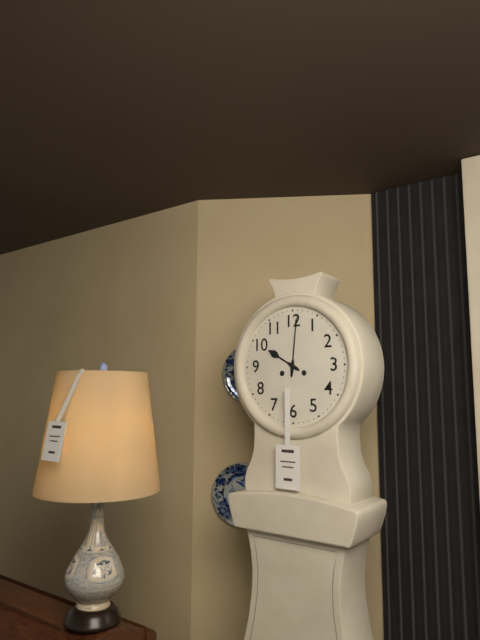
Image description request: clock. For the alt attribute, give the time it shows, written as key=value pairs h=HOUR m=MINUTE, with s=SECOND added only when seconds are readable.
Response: h=10 m=1
